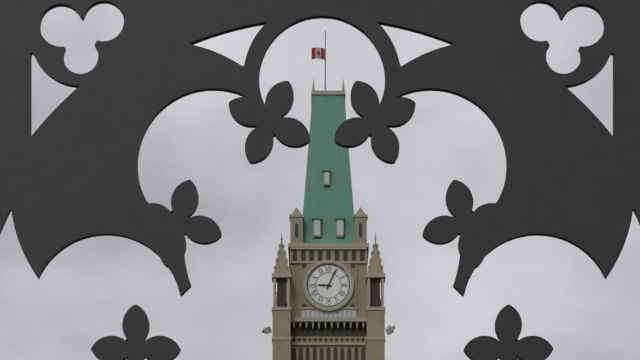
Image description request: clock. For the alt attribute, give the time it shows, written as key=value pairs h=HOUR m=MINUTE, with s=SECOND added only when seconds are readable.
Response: h=9 m=4
